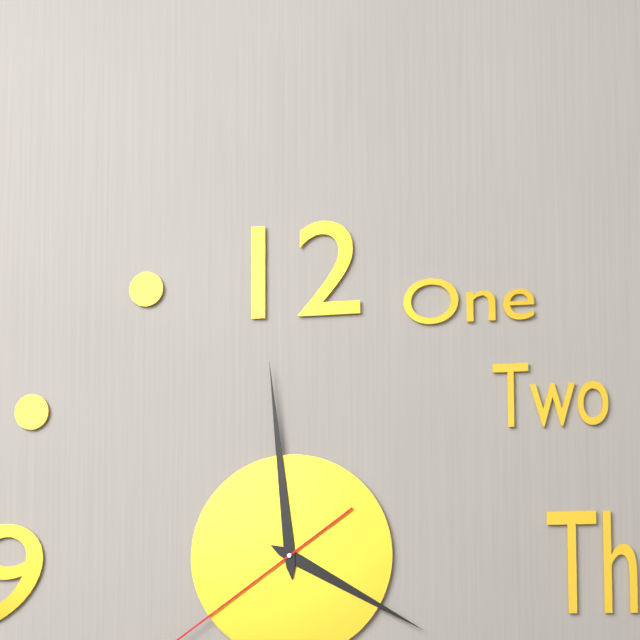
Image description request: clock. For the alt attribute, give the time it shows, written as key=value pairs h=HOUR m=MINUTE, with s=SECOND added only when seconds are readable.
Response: h=3 m=59
